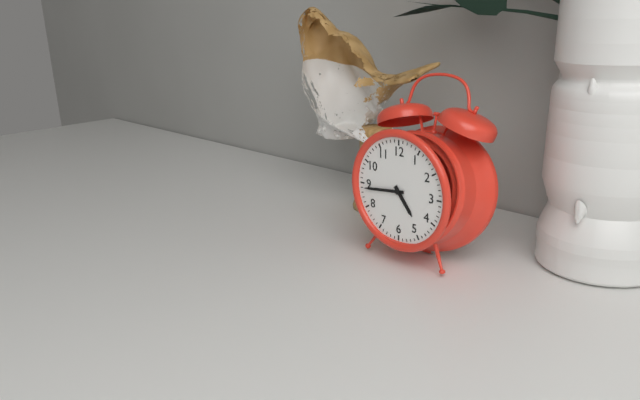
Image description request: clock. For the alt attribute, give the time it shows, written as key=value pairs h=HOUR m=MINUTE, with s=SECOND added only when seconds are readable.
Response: h=4 m=44
